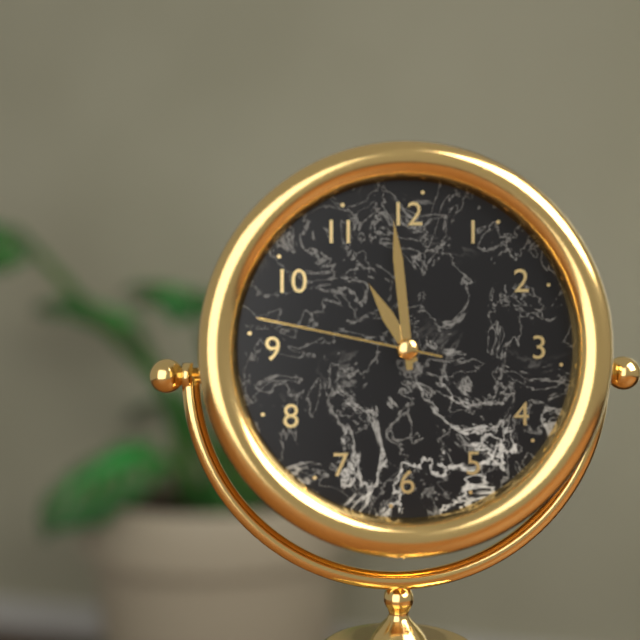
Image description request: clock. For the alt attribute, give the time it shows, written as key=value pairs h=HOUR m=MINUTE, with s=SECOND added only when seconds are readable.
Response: h=10 m=59 s=47
